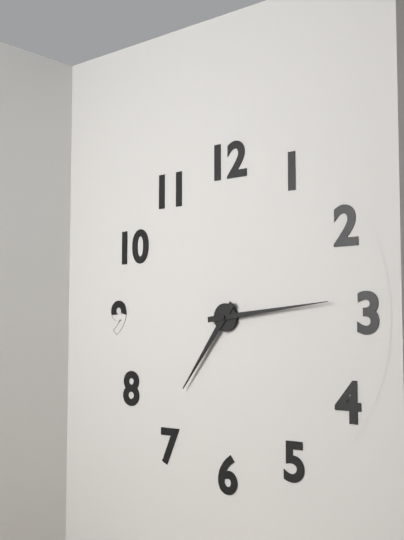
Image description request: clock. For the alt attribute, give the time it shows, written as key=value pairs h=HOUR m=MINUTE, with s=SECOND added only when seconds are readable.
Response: h=7 m=14
